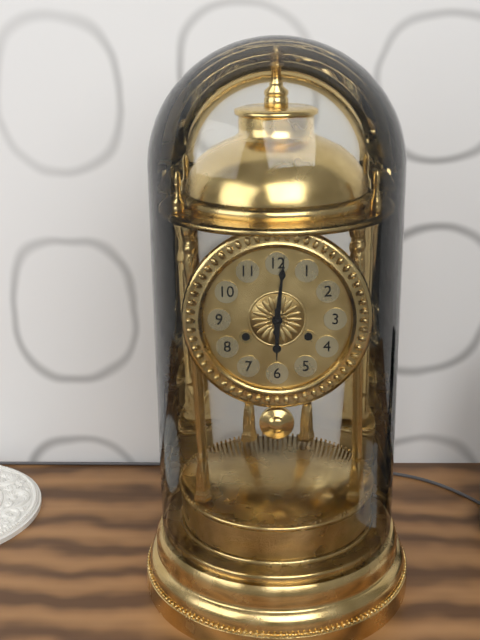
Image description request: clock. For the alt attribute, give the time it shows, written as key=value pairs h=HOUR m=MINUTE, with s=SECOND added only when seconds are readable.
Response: h=6 m=1
